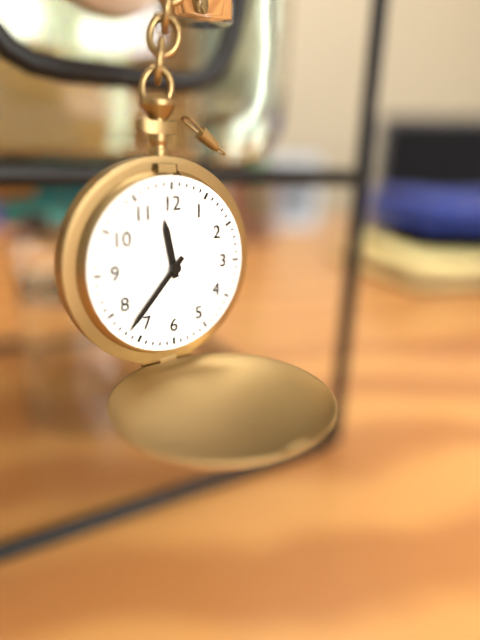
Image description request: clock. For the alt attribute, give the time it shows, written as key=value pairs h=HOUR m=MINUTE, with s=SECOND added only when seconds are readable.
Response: h=11 m=37
